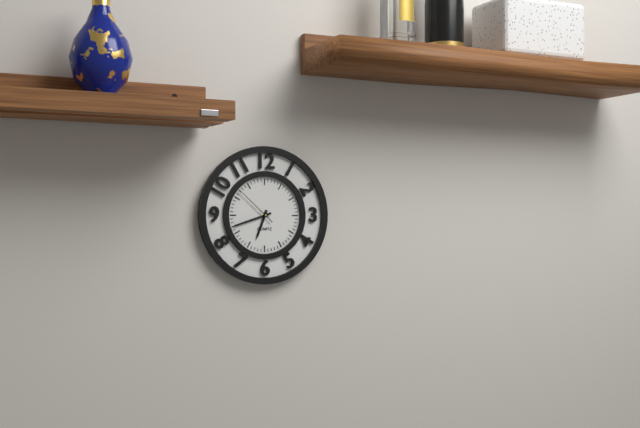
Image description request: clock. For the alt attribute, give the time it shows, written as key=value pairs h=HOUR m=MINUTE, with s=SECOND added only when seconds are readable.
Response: h=6 m=42
